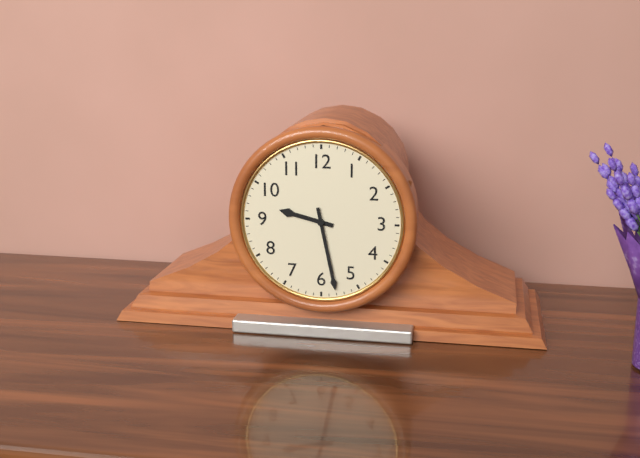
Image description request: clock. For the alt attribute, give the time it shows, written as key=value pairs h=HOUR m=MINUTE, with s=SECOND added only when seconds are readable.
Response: h=9 m=28
